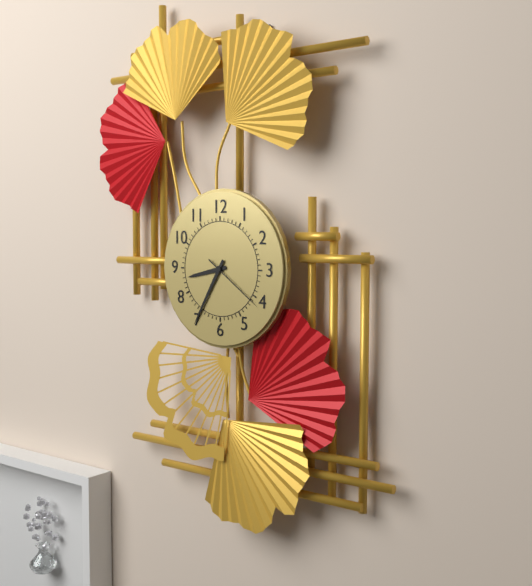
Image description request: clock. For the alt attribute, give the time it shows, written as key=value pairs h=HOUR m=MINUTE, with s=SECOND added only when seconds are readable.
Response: h=8 m=35 s=21
